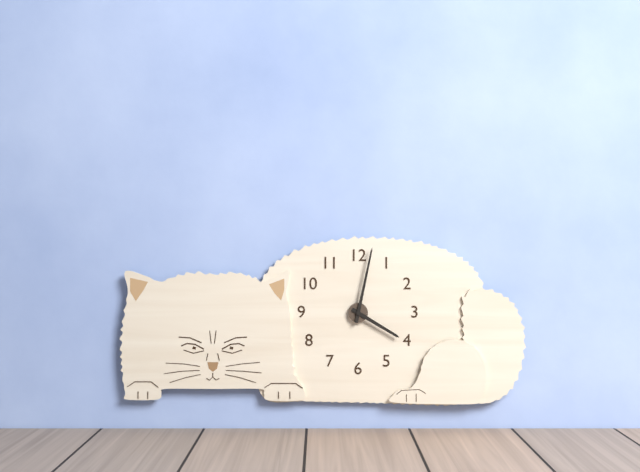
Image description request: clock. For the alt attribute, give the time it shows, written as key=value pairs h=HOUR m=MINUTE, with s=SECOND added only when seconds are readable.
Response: h=4 m=2
